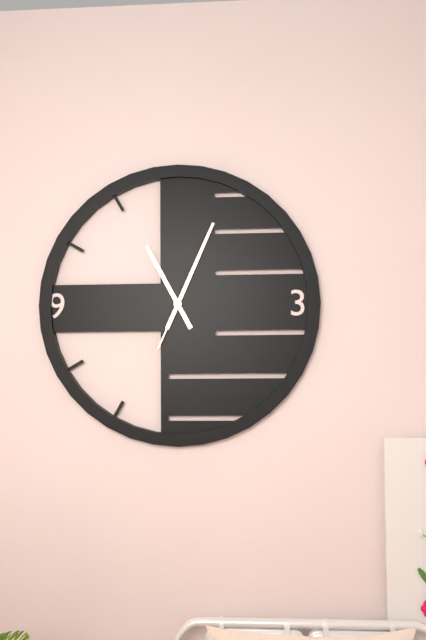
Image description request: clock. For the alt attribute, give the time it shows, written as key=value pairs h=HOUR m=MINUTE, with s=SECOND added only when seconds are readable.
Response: h=11 m=4 s=4
